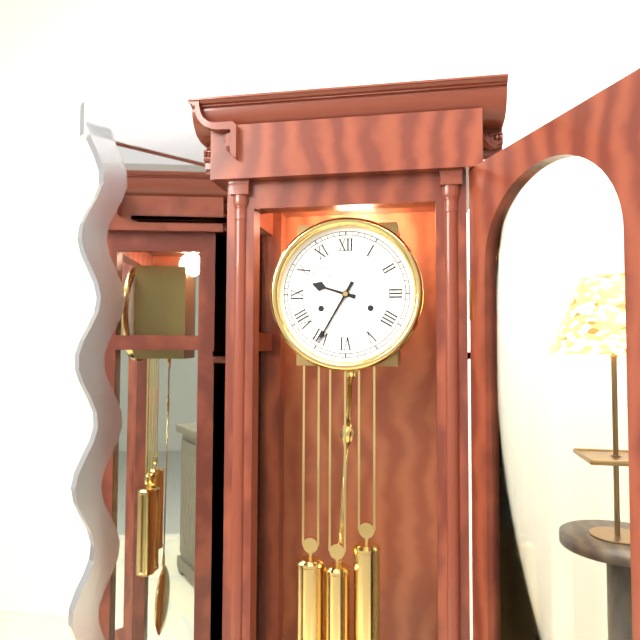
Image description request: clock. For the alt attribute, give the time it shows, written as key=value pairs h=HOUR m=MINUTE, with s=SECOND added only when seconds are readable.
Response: h=9 m=35
